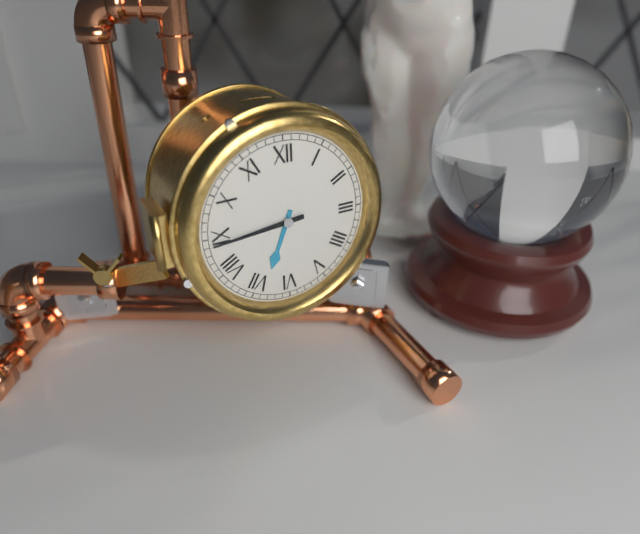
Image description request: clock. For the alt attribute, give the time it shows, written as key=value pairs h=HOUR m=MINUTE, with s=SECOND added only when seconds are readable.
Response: h=6 m=44
